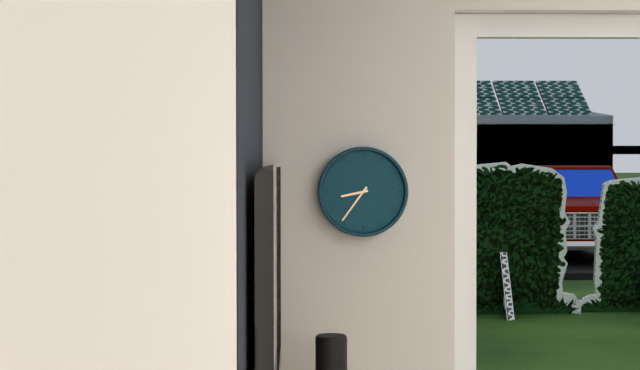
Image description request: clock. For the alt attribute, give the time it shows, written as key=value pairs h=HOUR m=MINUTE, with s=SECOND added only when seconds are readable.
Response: h=8 m=36
